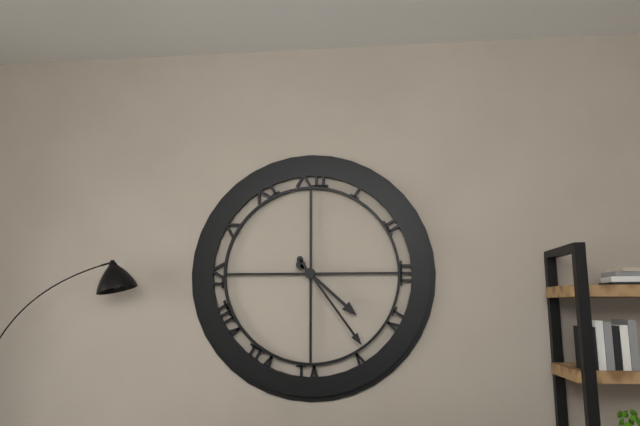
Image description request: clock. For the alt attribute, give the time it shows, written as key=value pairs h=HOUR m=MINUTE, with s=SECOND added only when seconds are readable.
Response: h=4 m=24
